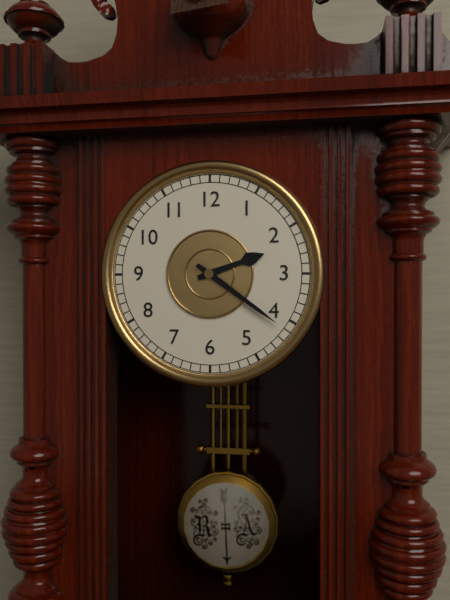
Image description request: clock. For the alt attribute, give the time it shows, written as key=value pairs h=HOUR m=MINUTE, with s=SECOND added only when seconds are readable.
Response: h=2 m=21
